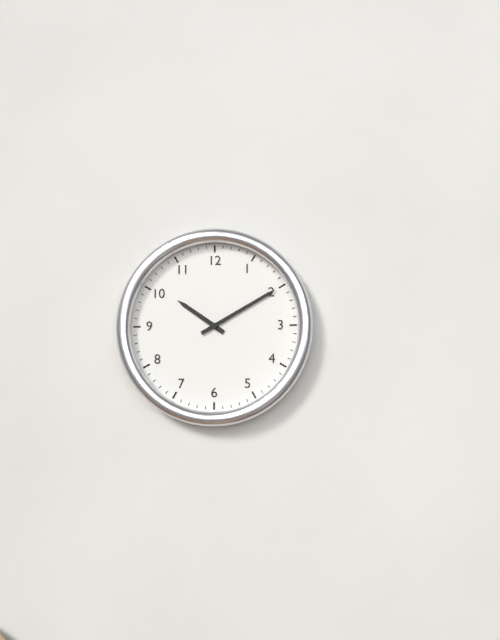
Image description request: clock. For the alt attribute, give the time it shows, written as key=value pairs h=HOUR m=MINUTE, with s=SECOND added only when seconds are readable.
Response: h=10 m=10
